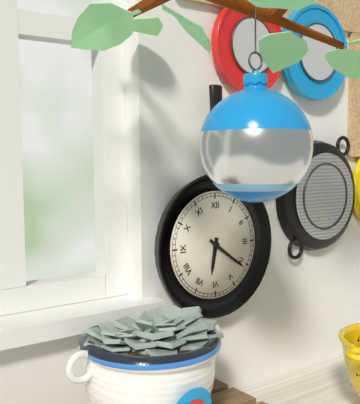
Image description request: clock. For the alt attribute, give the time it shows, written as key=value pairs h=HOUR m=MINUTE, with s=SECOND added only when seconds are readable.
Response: h=6 m=21
